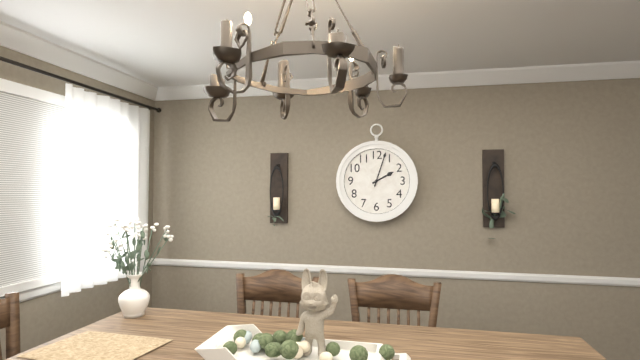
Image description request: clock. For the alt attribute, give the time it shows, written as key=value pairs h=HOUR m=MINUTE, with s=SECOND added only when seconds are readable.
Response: h=2 m=3
